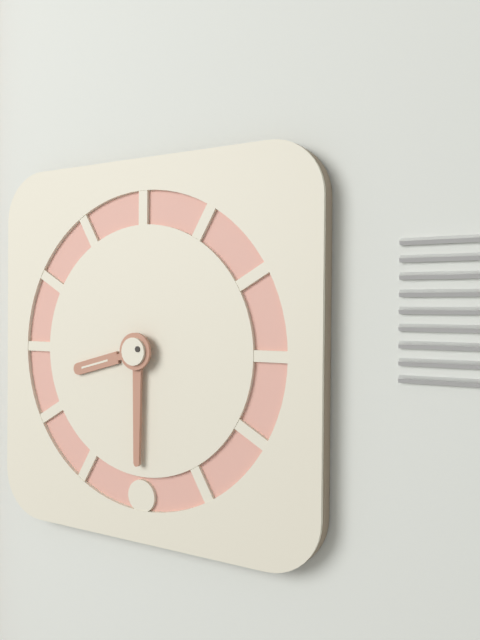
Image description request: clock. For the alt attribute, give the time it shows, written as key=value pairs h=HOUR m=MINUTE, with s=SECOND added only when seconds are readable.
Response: h=8 m=30
